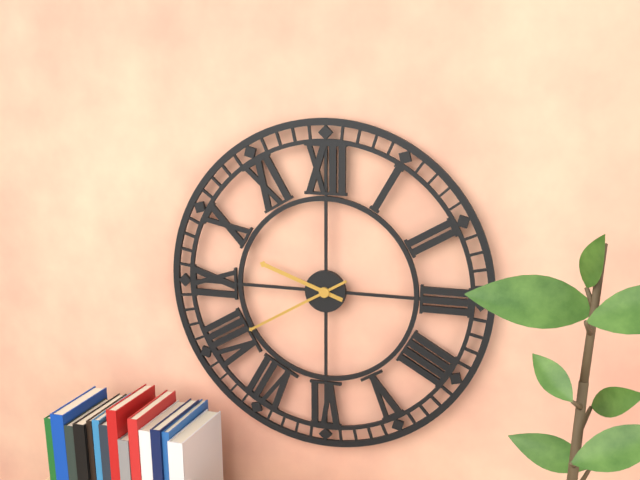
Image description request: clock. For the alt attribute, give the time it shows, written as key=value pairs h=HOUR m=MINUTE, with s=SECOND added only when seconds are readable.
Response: h=9 m=40
